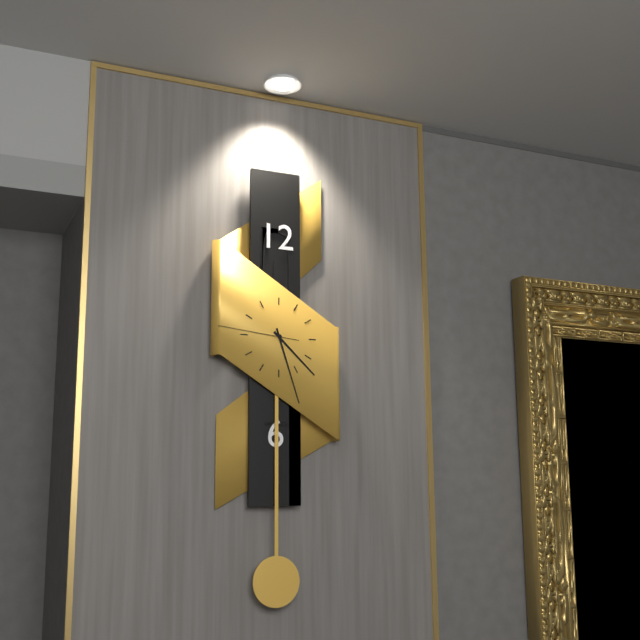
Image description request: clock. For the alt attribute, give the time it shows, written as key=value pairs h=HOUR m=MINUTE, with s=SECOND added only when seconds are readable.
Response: h=4 m=27 s=46
